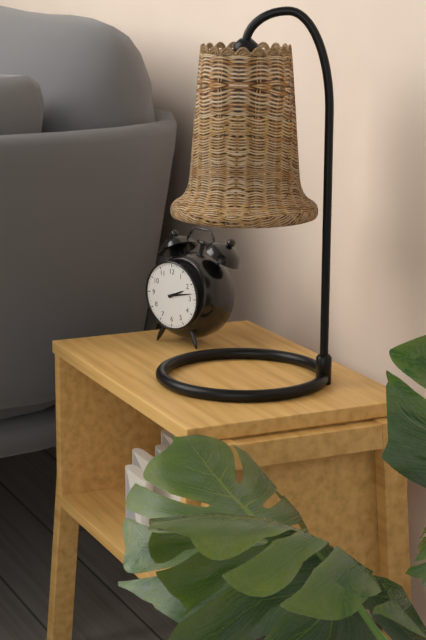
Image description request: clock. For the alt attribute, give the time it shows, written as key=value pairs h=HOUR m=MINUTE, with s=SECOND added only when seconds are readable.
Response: h=2 m=13
